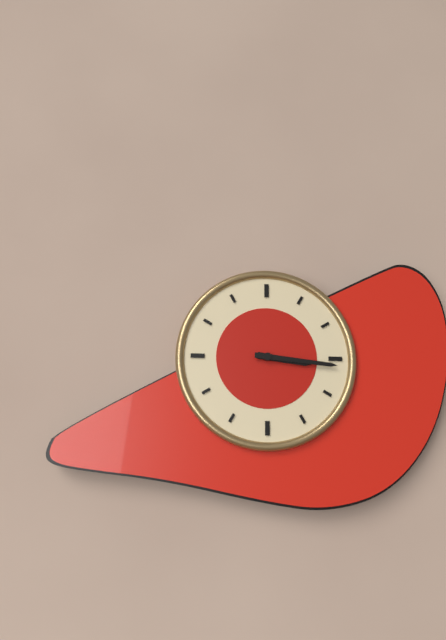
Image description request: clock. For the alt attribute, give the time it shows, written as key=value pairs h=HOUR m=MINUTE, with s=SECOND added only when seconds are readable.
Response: h=3 m=16
